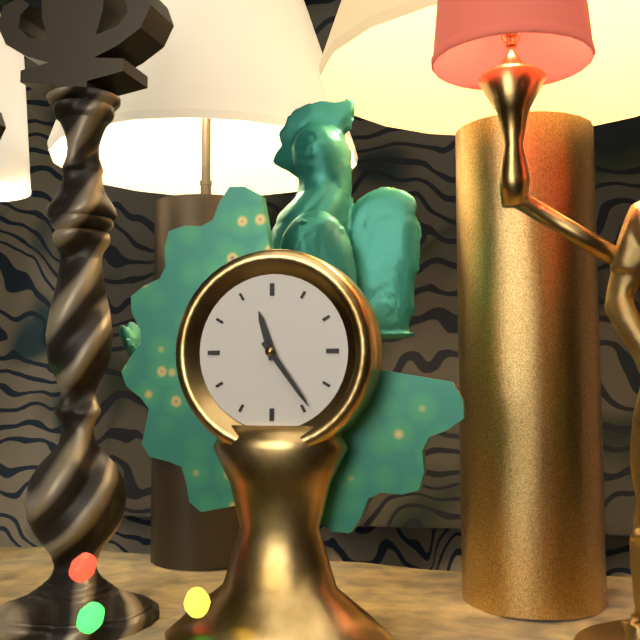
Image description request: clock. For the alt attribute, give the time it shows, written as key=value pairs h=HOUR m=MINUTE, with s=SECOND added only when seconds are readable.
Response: h=11 m=24
